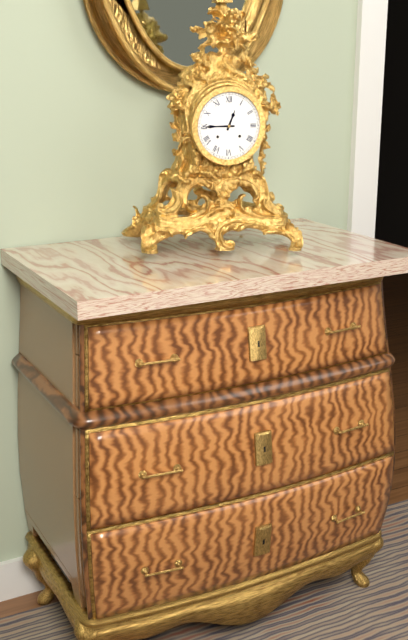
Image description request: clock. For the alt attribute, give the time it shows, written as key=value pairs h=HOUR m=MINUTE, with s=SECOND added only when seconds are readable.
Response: h=12 m=45
